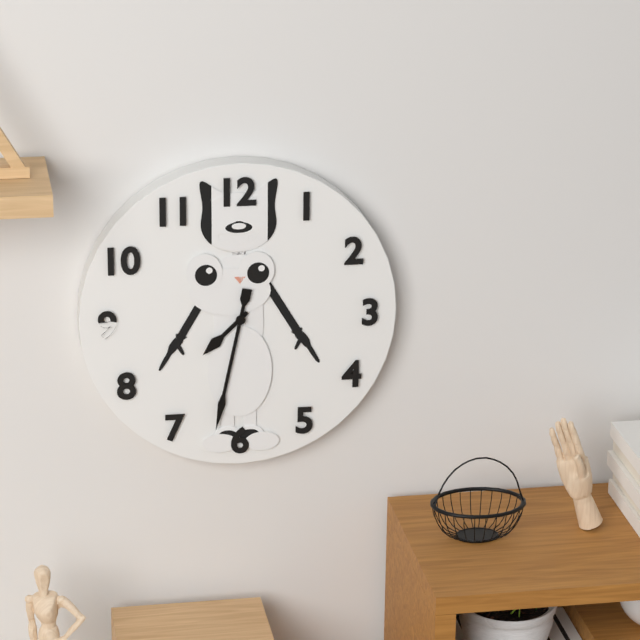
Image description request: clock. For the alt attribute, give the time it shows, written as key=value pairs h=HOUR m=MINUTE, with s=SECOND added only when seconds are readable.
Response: h=7 m=32
